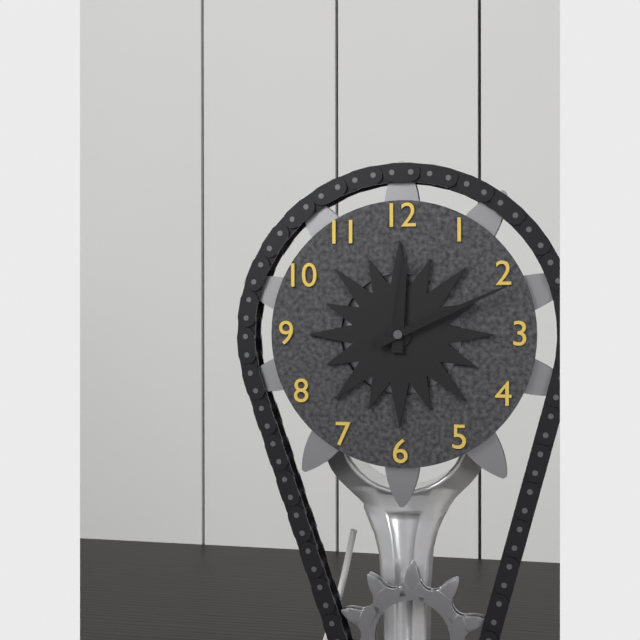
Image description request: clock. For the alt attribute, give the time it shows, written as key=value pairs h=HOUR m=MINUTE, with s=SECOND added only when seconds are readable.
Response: h=12 m=11
